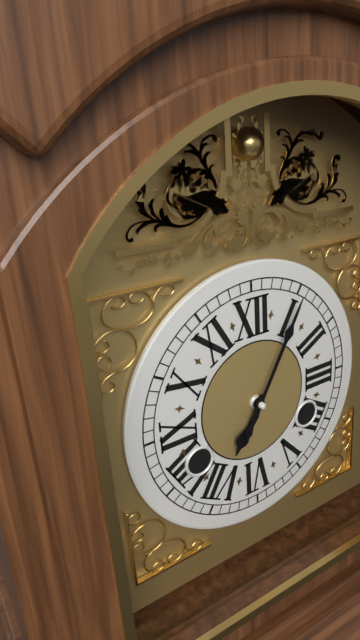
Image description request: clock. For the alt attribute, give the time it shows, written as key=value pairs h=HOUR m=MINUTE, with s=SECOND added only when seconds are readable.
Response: h=7 m=5
